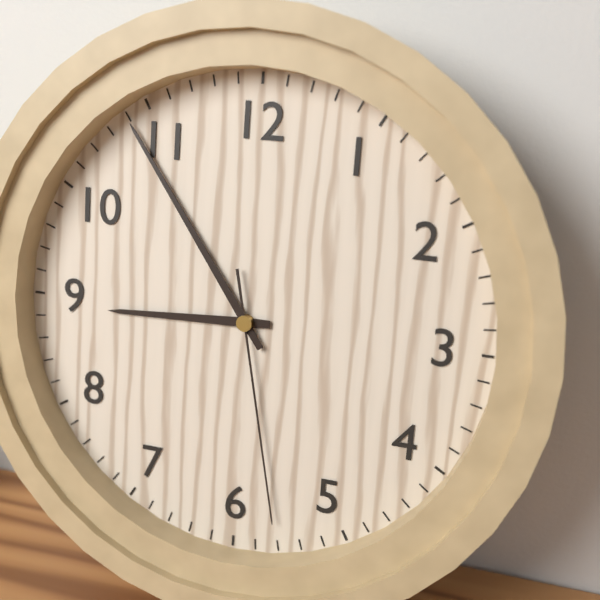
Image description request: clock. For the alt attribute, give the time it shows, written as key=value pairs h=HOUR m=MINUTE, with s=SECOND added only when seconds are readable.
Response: h=8 m=54 s=28
